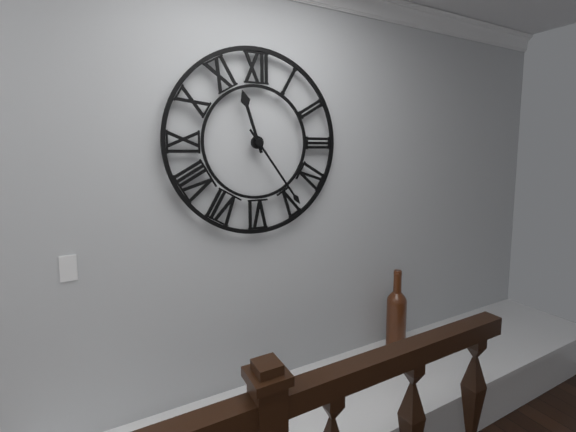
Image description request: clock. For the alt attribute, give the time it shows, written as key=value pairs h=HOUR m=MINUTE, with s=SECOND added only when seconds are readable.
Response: h=11 m=24
